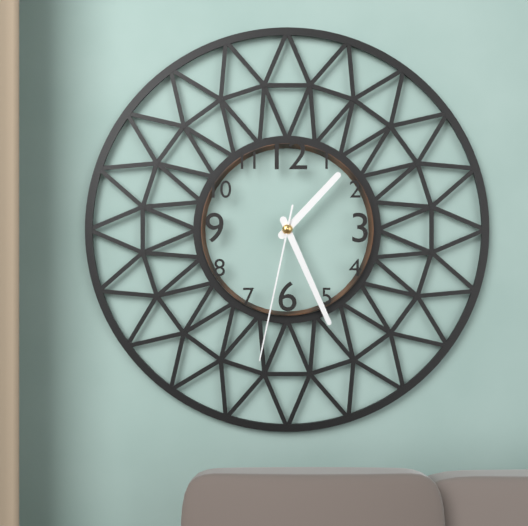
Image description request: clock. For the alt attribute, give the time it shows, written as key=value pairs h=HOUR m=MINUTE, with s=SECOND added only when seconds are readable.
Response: h=1 m=26 s=32
